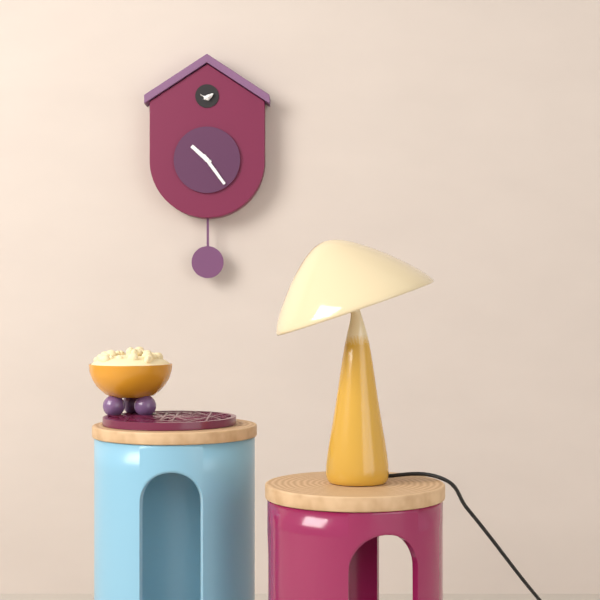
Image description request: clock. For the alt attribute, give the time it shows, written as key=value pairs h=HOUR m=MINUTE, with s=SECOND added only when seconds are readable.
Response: h=10 m=24
